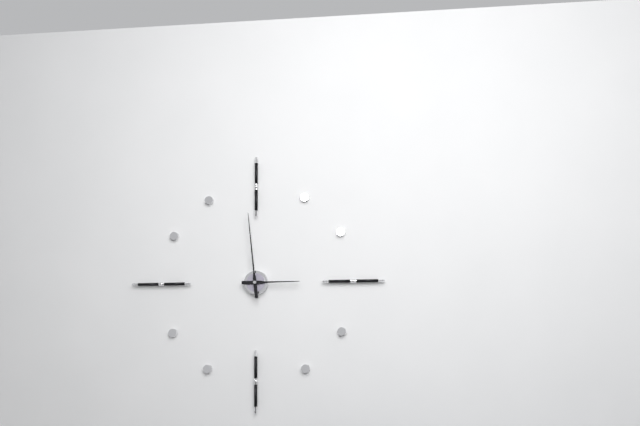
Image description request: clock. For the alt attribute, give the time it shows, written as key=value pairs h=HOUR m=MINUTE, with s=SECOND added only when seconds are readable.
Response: h=2 m=59
